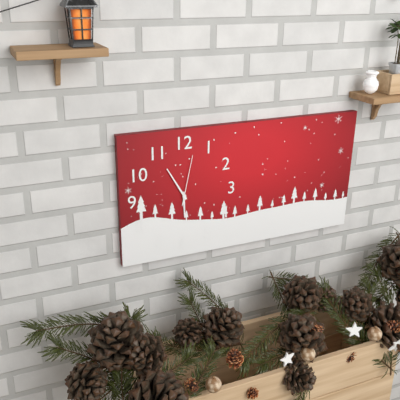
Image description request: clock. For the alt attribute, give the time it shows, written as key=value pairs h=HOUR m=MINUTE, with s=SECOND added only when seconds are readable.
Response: h=5 m=55 s=2
